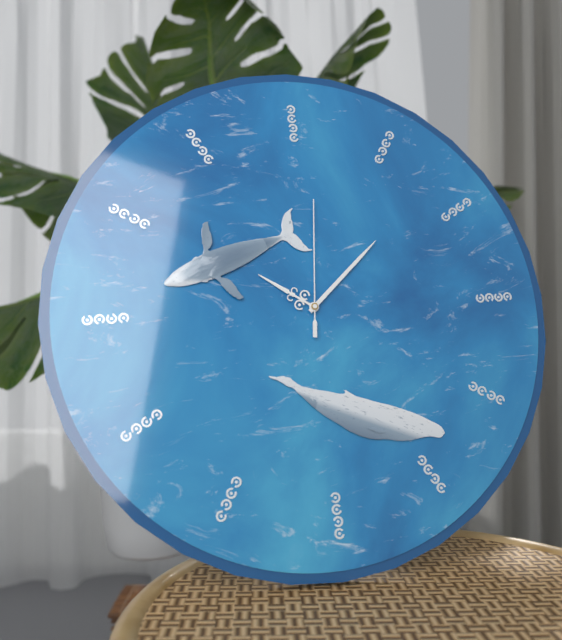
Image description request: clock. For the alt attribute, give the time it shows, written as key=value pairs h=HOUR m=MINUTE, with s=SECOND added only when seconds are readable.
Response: h=10 m=8 s=1
